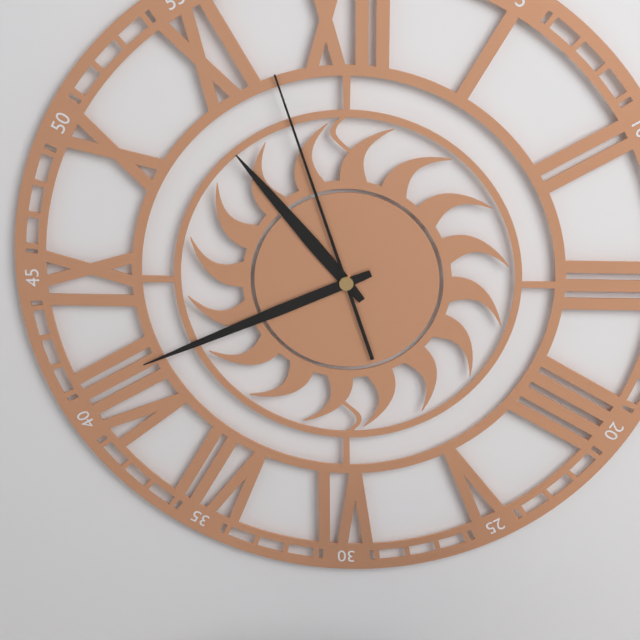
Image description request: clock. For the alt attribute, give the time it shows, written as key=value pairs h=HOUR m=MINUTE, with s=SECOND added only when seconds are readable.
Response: h=10 m=41 s=57
